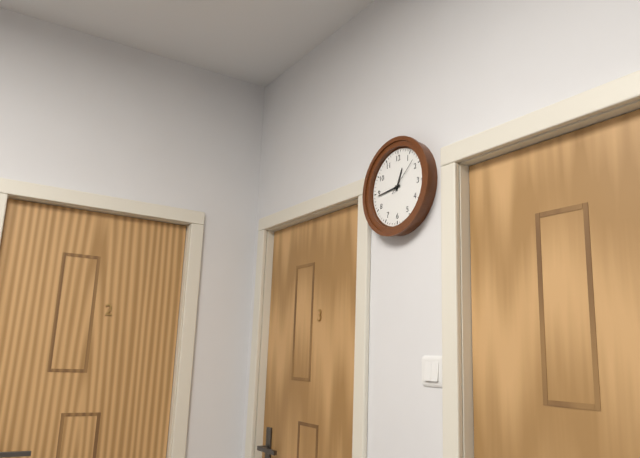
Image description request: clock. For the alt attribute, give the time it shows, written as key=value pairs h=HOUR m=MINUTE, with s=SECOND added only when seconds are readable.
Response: h=12 m=44
